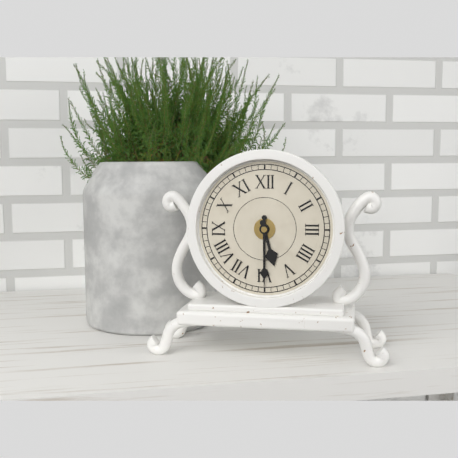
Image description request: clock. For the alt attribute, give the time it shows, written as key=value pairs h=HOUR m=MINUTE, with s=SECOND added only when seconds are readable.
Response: h=5 m=30
